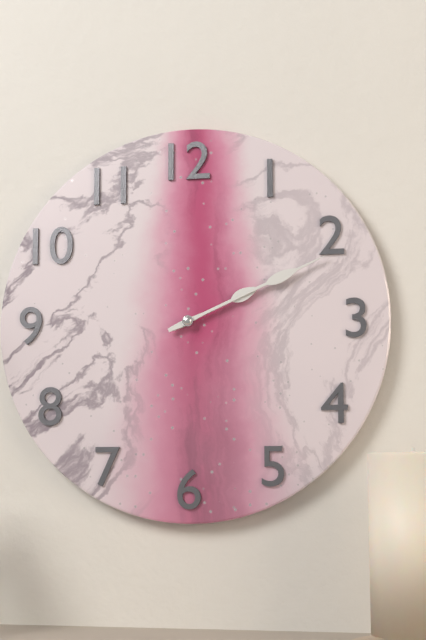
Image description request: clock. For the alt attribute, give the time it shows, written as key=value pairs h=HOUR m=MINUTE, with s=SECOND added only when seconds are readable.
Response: h=2 m=11
